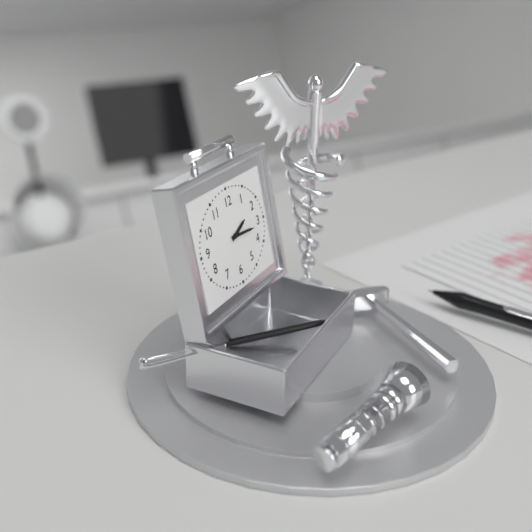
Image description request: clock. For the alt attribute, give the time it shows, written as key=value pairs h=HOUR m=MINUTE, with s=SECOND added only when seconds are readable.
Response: h=2 m=16
